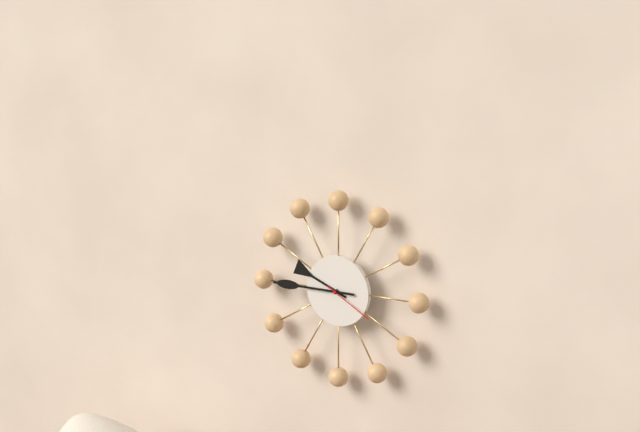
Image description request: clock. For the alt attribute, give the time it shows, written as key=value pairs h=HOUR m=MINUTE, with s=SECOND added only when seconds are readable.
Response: h=9 m=45 s=20
